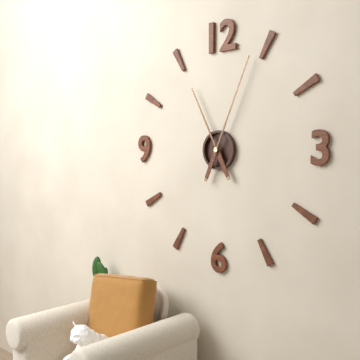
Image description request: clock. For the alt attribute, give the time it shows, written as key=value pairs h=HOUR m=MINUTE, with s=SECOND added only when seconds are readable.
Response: h=11 m=4
